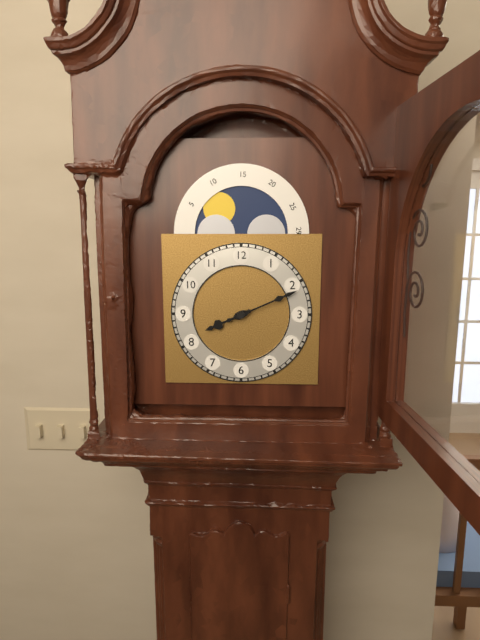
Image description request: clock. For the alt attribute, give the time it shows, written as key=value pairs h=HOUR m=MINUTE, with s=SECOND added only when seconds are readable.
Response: h=8 m=11
